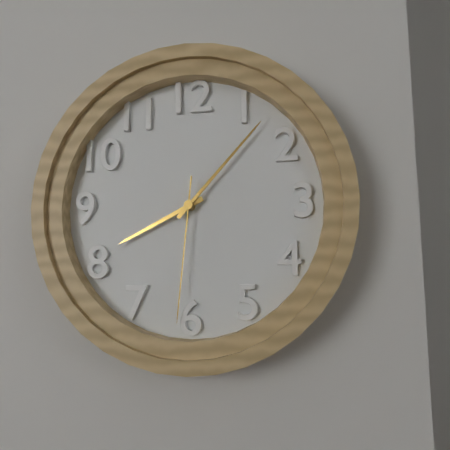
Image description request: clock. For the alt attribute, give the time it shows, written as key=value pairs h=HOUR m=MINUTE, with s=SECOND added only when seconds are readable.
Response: h=8 m=7 s=31
